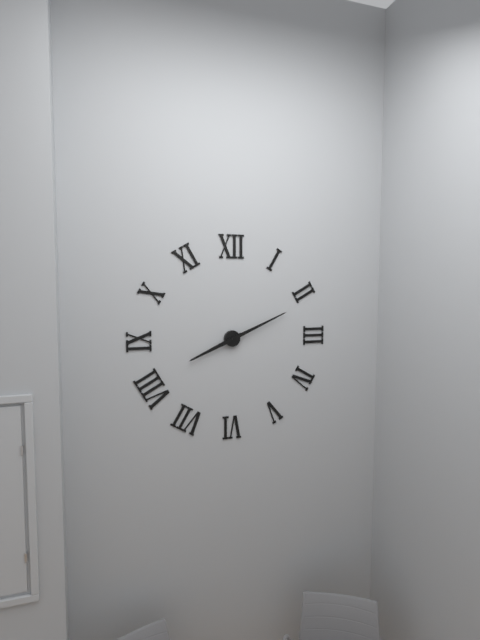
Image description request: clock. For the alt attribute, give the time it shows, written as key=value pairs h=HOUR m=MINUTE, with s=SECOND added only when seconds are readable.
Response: h=8 m=11
